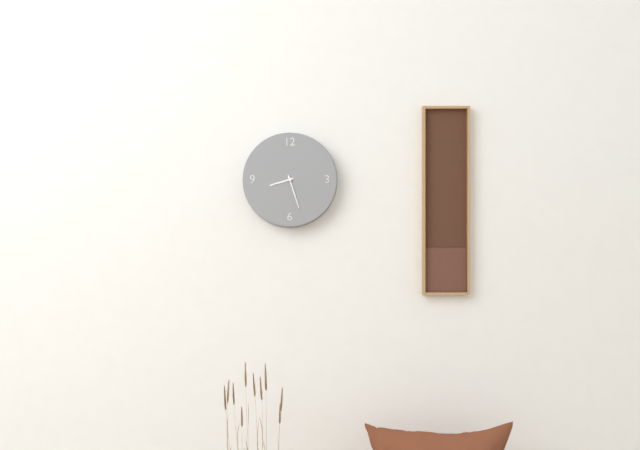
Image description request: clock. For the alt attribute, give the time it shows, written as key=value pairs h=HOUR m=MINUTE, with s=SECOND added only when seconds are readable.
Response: h=8 m=27
